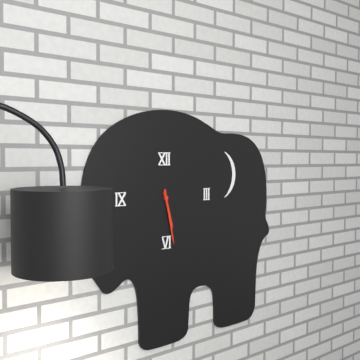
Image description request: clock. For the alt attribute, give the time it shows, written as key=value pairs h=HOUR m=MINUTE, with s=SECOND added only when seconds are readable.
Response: h=5 m=28
